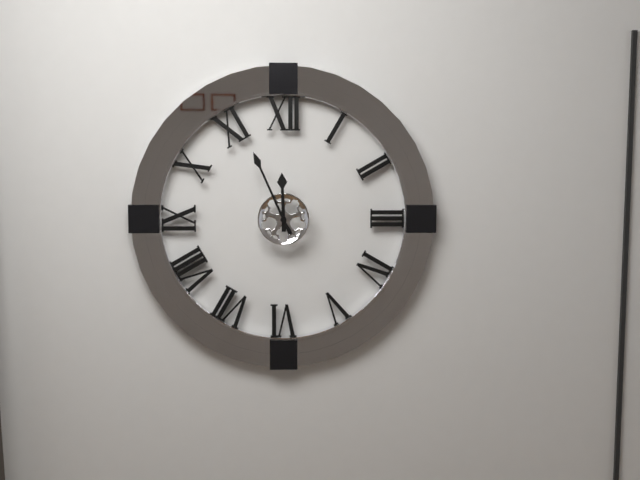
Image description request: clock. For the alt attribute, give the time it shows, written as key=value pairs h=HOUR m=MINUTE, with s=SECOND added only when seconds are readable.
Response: h=11 m=56
